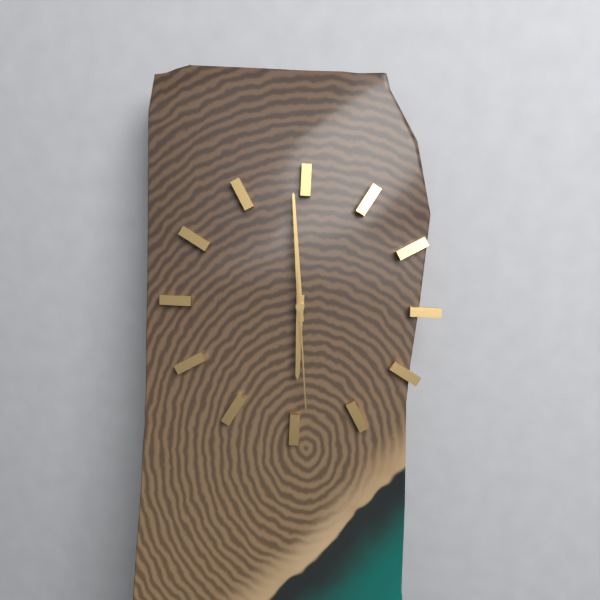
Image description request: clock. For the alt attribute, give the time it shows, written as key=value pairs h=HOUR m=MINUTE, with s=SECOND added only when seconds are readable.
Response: h=5 m=59 s=29
